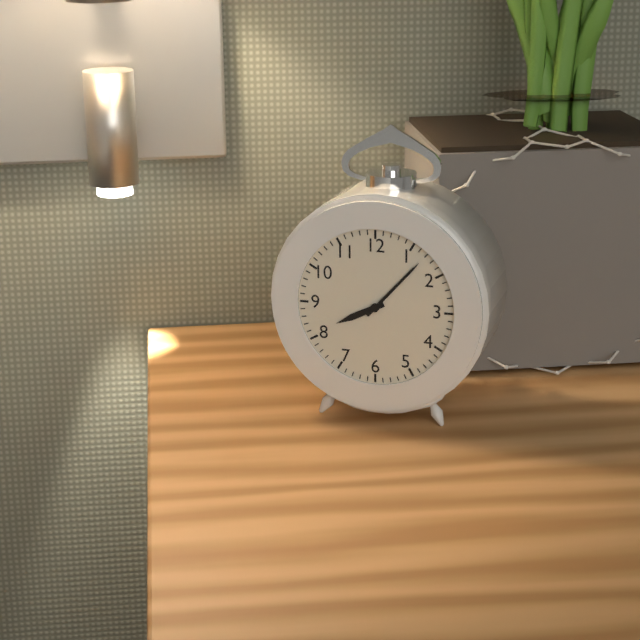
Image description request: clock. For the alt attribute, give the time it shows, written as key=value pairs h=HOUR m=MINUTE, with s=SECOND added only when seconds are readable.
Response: h=8 m=7
